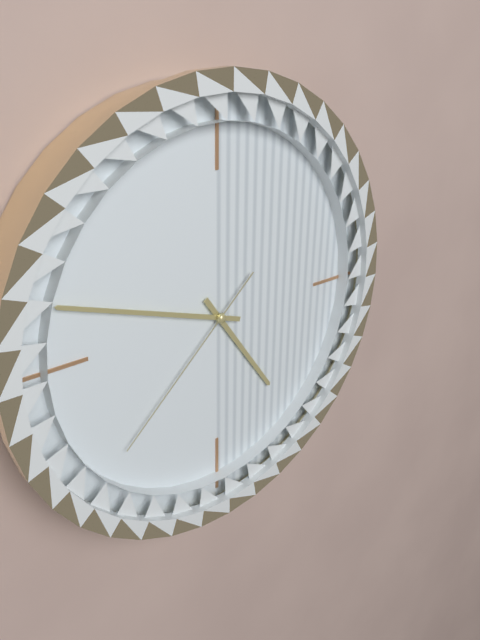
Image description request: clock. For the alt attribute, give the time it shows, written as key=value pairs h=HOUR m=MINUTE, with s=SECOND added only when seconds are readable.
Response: h=4 m=48 s=38
